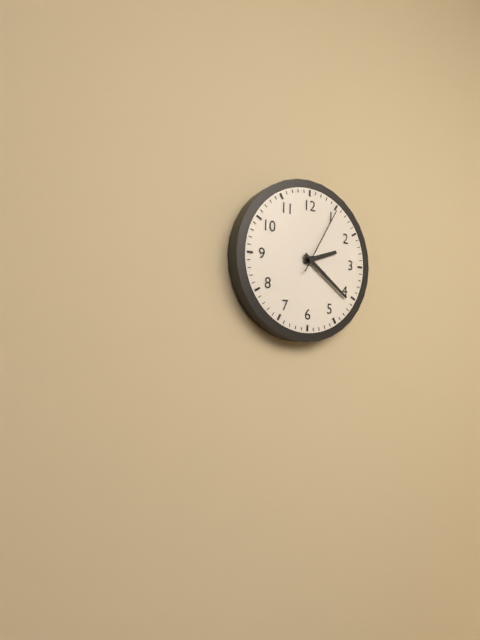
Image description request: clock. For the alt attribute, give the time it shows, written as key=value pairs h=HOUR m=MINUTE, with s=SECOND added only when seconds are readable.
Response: h=2 m=21 s=5
